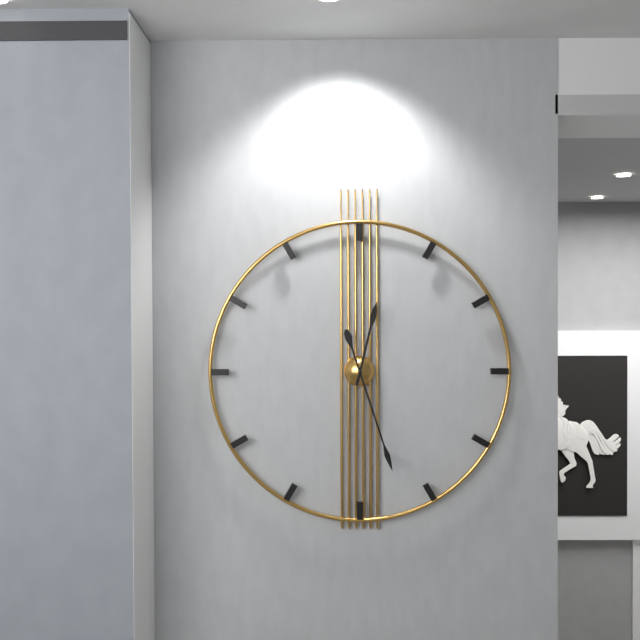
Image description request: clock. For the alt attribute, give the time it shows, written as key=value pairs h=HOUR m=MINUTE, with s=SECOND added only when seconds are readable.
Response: h=12 m=27
